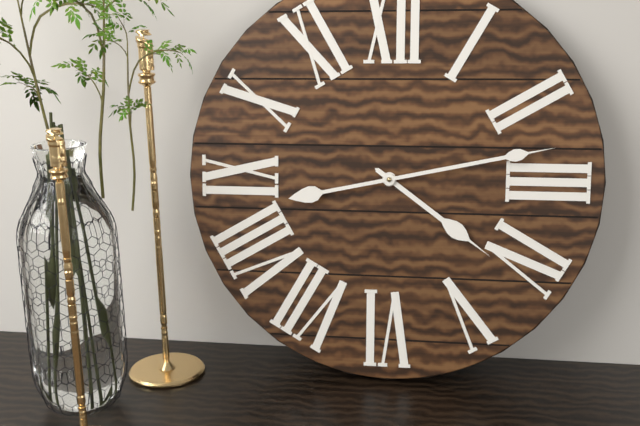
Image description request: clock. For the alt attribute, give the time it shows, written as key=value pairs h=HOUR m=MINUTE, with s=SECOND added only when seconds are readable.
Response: h=4 m=13
